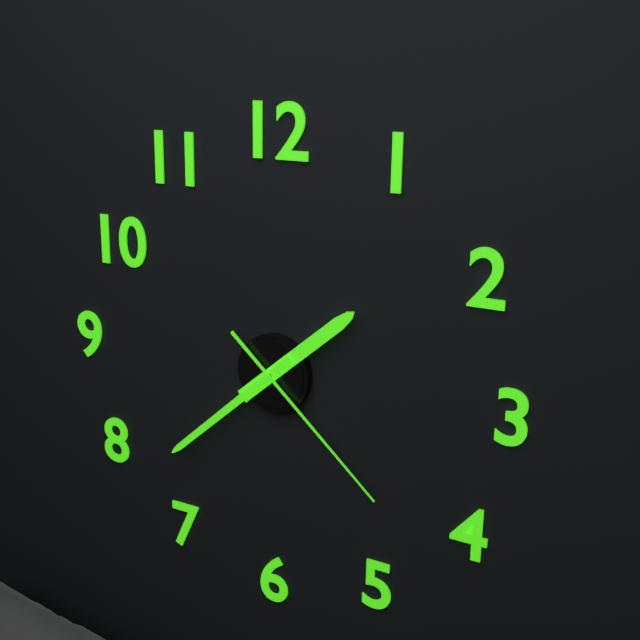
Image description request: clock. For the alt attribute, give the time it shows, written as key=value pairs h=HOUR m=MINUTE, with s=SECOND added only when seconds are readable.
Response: h=1 m=38 s=22
